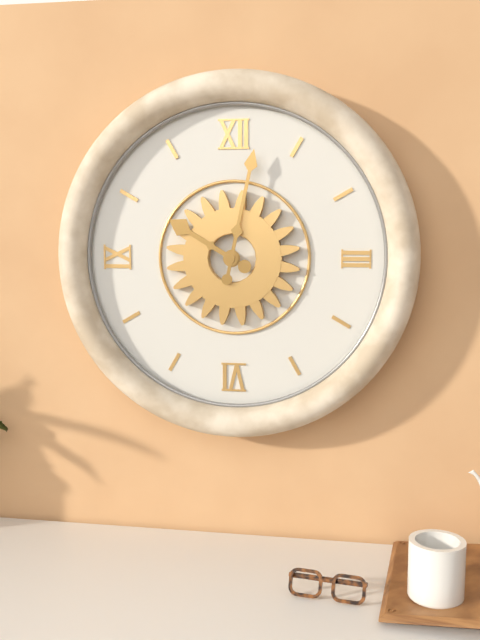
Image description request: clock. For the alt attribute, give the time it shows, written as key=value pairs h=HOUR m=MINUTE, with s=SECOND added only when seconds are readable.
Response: h=10 m=2
